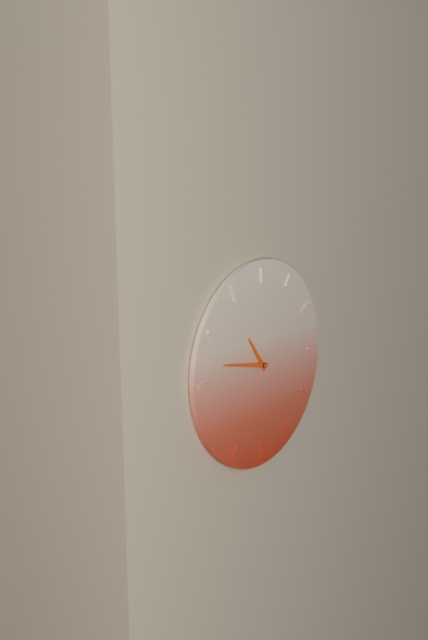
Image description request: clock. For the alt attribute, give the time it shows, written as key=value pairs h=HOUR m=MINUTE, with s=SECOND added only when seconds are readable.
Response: h=10 m=47
